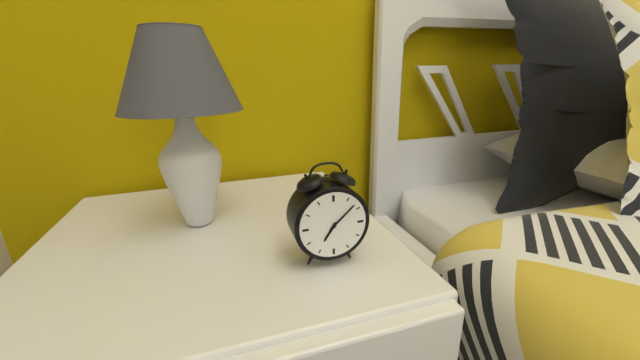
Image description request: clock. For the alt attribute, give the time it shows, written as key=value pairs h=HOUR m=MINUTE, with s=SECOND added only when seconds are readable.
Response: h=7 m=8
